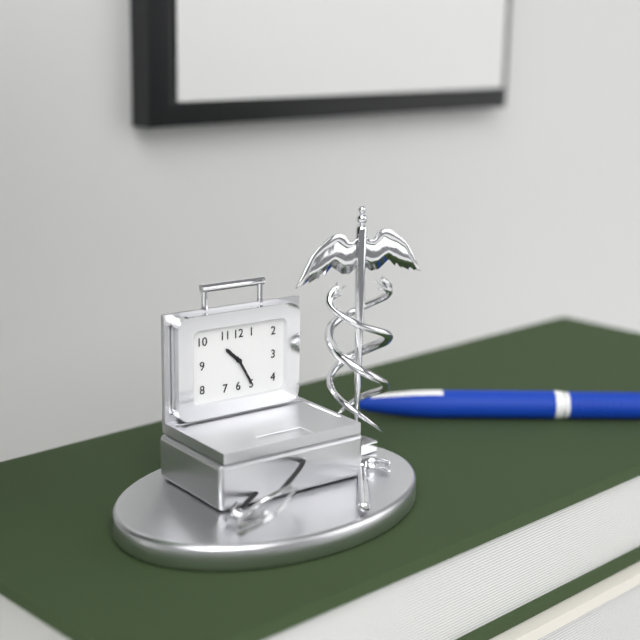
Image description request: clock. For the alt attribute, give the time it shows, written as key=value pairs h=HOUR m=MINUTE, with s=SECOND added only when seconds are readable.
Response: h=10 m=25
